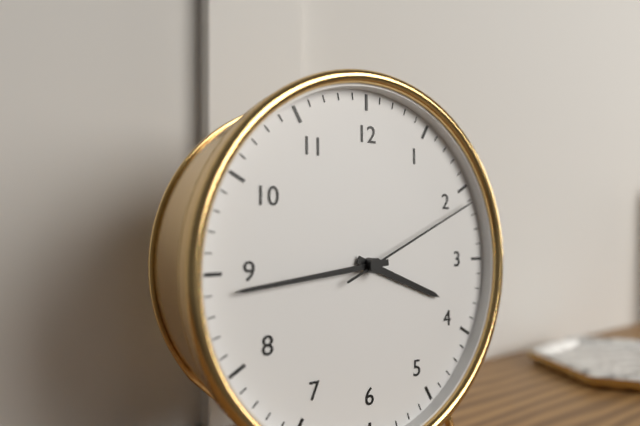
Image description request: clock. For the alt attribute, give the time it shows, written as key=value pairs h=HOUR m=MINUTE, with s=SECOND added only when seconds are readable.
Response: h=3 m=44 s=11
